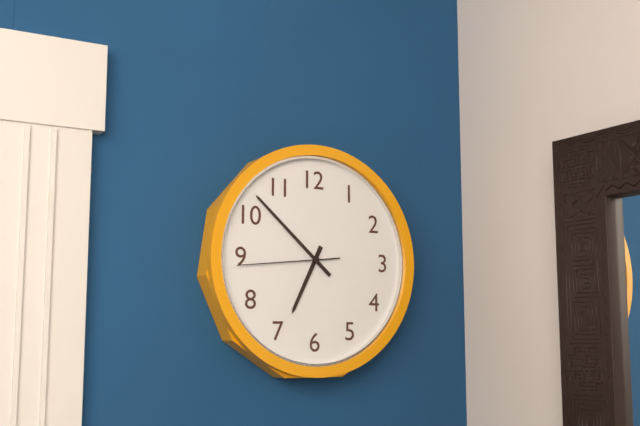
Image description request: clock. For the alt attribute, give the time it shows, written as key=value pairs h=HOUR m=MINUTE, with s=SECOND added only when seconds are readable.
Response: h=6 m=52 s=44
